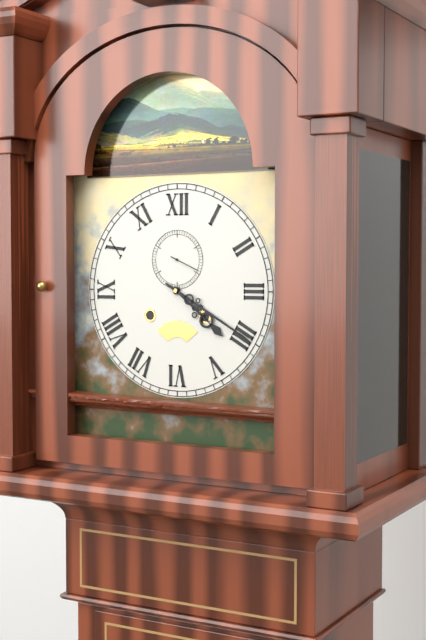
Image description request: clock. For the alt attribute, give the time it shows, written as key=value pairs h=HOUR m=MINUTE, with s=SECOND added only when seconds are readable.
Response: h=4 m=20
